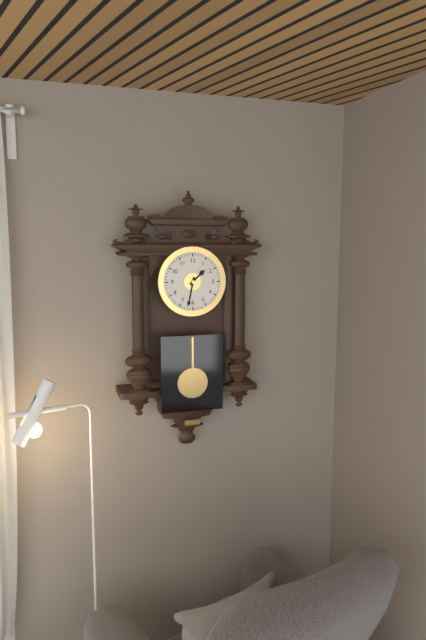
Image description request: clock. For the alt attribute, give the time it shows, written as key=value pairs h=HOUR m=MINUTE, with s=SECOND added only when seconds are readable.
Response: h=1 m=32
